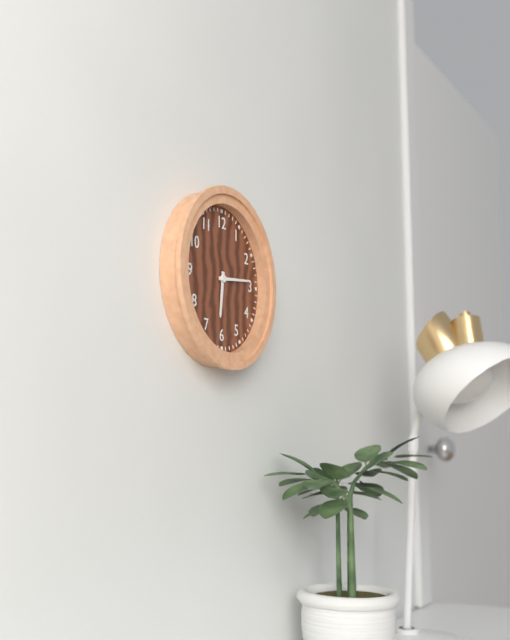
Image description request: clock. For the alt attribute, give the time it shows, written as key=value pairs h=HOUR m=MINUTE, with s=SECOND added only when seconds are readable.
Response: h=6 m=14
